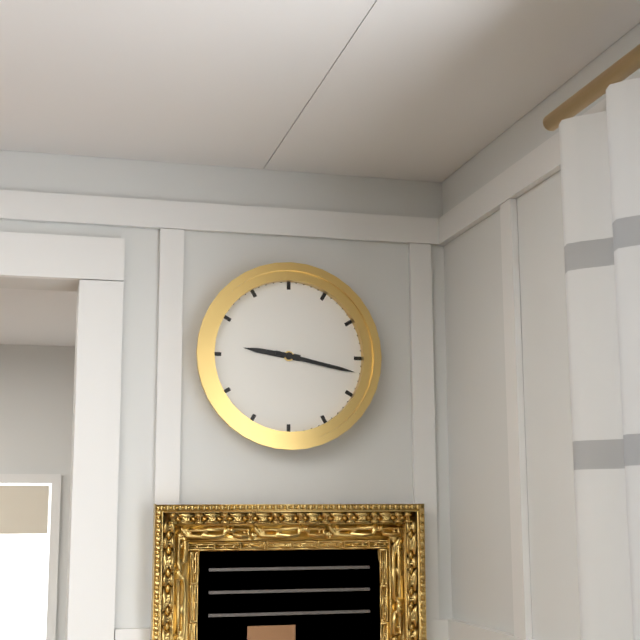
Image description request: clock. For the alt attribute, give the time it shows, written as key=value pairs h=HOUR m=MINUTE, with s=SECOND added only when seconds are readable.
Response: h=9 m=17
